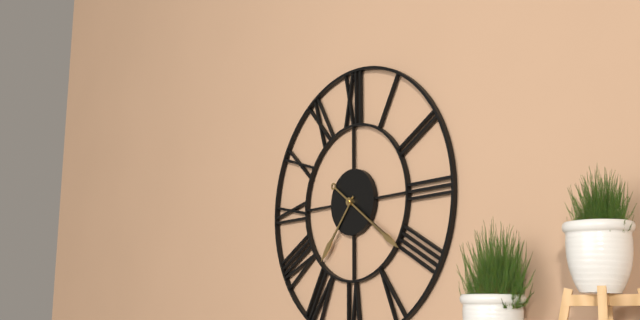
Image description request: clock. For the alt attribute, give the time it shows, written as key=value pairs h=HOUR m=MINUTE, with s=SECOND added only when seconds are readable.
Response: h=7 m=21
